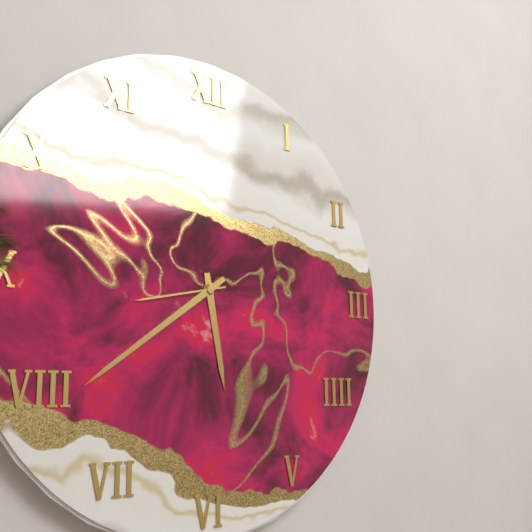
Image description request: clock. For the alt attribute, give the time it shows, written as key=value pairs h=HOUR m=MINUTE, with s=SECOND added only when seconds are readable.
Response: h=5 m=39 s=43
